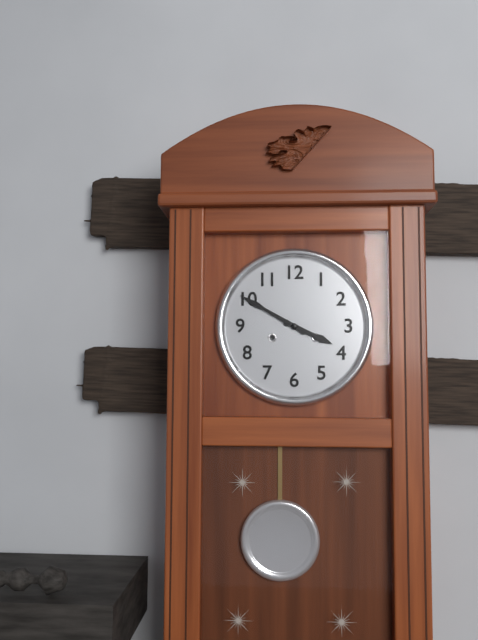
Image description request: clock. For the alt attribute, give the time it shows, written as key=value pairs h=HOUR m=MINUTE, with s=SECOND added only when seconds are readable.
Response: h=3 m=50
